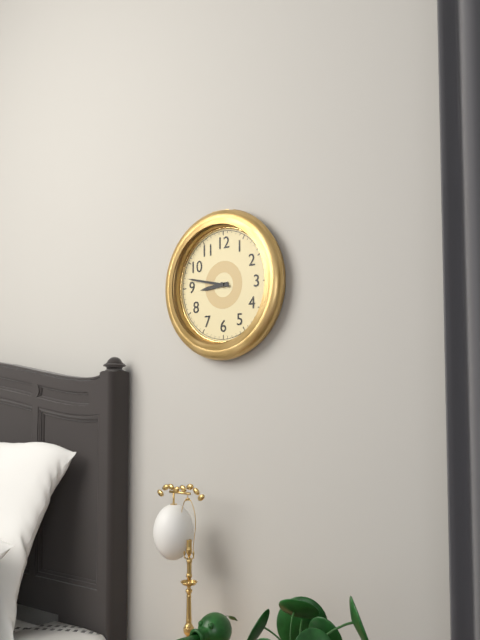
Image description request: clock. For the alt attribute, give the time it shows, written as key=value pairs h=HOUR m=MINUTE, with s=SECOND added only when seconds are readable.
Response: h=8 m=47
